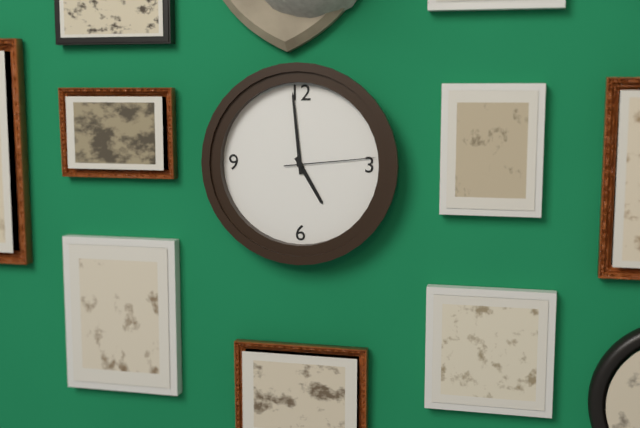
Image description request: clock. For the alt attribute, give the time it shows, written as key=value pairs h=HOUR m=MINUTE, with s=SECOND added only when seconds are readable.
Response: h=4 m=59 s=14
